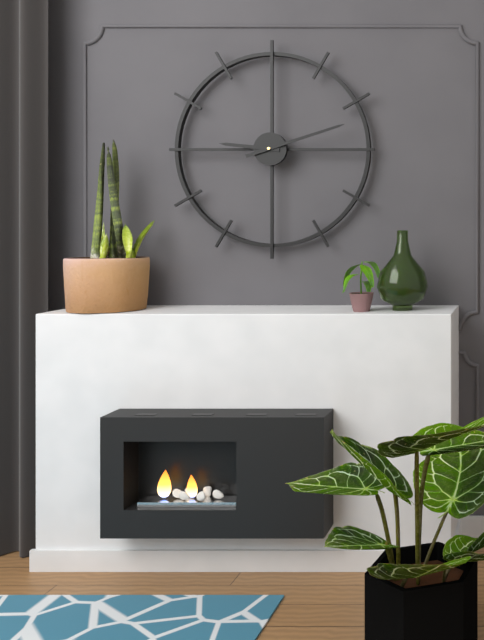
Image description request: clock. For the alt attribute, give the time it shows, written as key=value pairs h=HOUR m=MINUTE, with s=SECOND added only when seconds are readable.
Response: h=9 m=12
